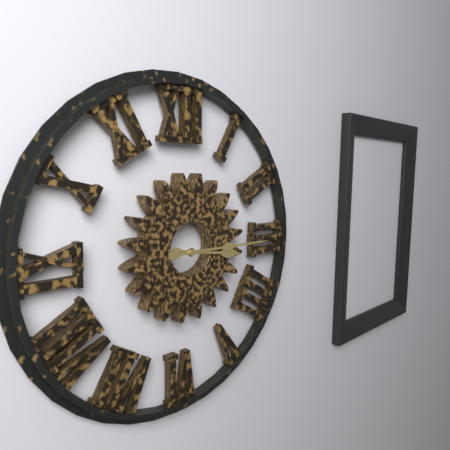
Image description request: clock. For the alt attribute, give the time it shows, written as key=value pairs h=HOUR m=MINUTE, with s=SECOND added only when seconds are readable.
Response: h=3 m=15
